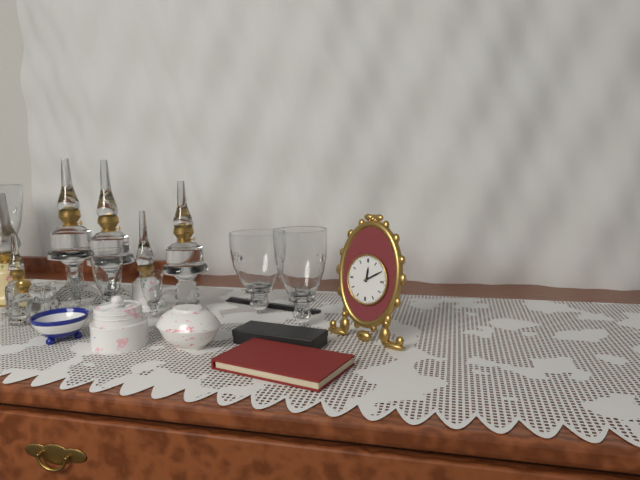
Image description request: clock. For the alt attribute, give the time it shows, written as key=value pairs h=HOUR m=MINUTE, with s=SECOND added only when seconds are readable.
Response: h=12 m=10
